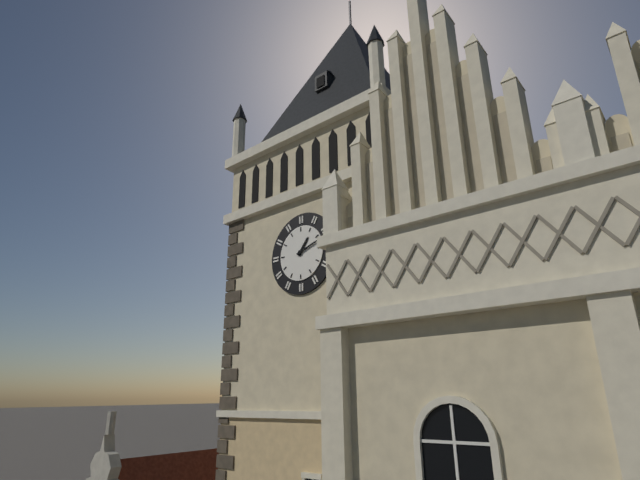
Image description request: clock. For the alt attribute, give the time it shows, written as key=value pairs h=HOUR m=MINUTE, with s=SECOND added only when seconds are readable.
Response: h=1 m=12
